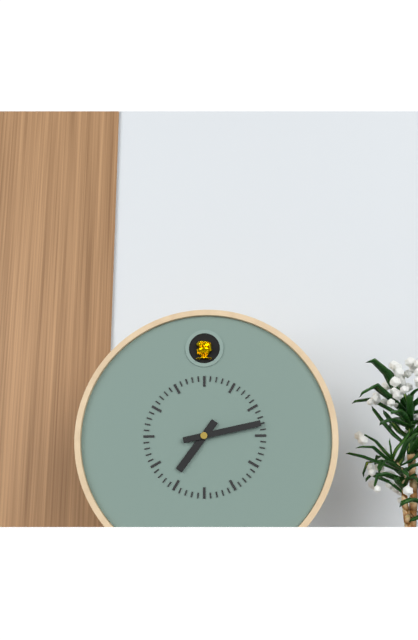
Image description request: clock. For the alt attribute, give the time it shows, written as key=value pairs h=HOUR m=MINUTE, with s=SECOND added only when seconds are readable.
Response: h=7 m=13
